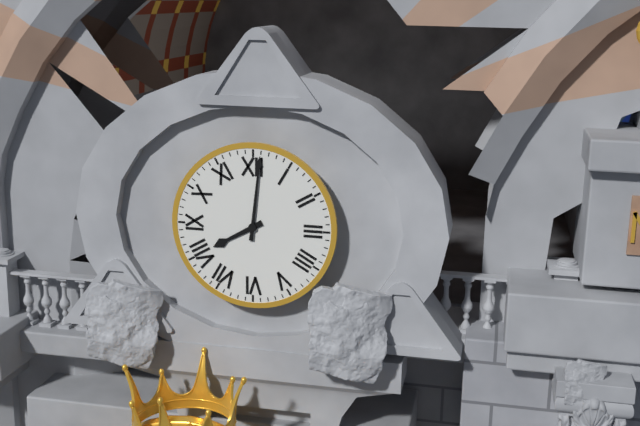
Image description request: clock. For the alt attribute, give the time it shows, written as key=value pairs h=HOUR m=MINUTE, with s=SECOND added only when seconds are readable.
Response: h=8 m=1
